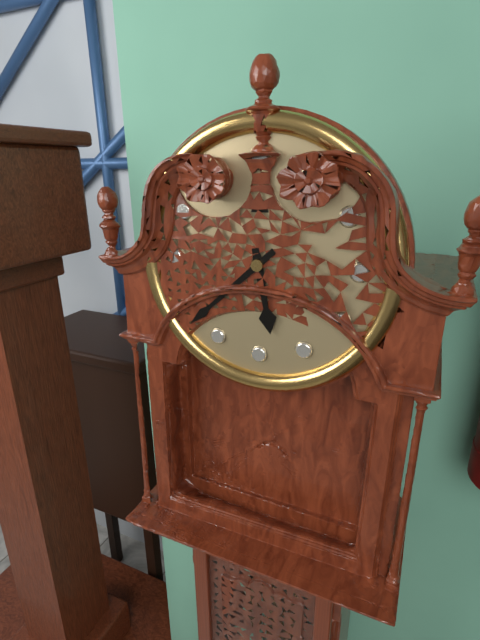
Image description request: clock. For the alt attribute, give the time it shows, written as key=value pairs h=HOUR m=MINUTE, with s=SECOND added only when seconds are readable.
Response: h=5 m=38
